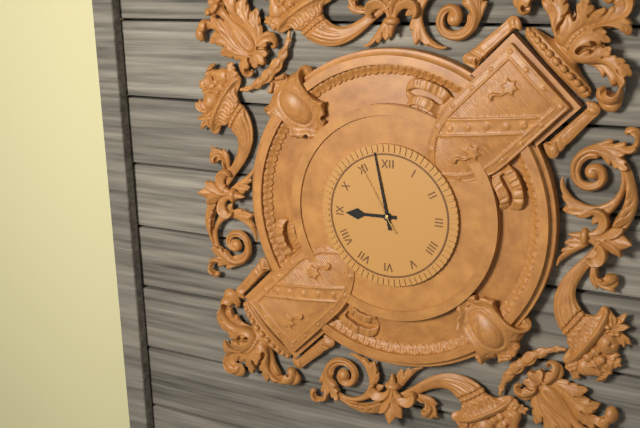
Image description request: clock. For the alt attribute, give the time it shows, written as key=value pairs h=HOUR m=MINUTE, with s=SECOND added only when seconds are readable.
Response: h=8 m=58 s=55
